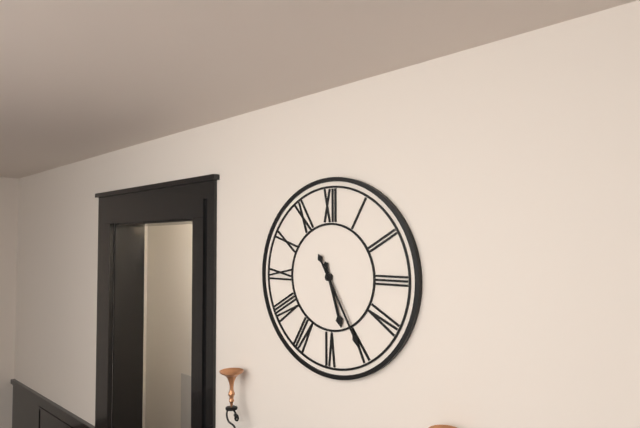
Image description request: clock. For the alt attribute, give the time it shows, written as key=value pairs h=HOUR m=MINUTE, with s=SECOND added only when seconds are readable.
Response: h=5 m=25
